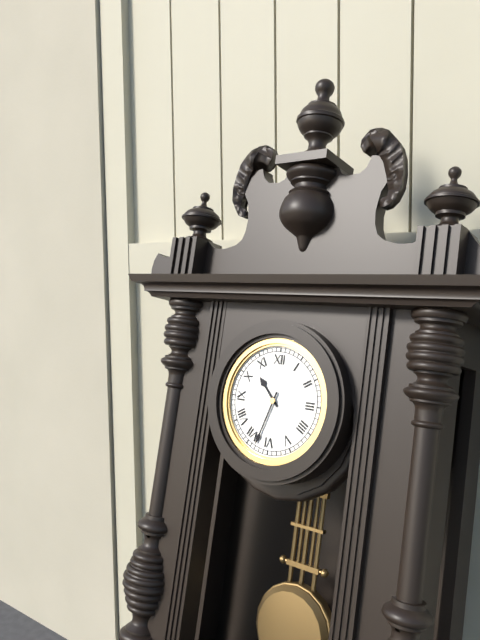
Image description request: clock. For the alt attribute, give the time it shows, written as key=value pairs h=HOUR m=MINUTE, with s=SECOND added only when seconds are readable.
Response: h=10 m=33
